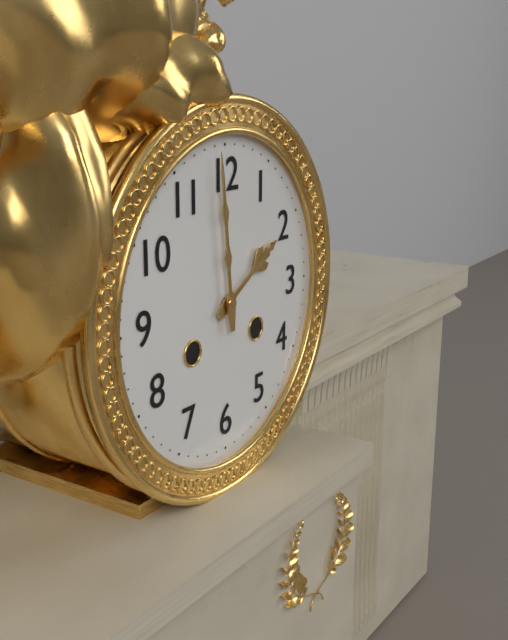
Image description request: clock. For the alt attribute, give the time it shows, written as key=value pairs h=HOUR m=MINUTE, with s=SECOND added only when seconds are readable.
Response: h=1 m=59
